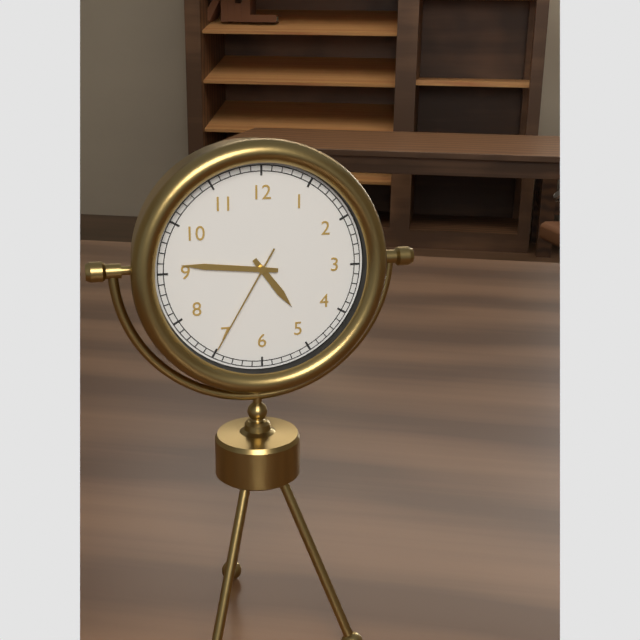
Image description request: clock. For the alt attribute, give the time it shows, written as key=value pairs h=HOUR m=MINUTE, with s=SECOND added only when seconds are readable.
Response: h=4 m=46 s=35
